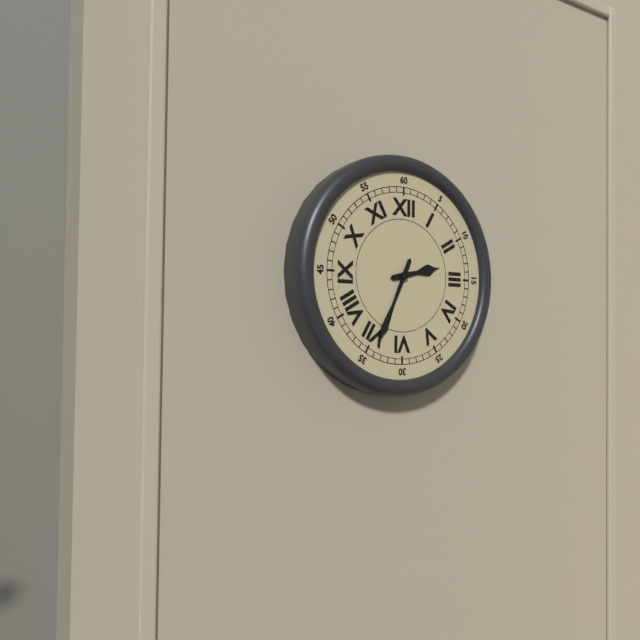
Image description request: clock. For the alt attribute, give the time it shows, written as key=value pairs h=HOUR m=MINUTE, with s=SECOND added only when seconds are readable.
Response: h=2 m=34
